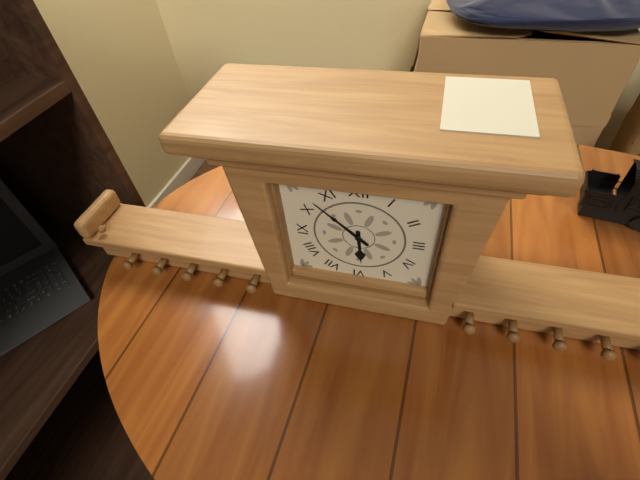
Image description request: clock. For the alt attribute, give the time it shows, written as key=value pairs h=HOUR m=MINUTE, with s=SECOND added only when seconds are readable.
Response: h=5 m=52
